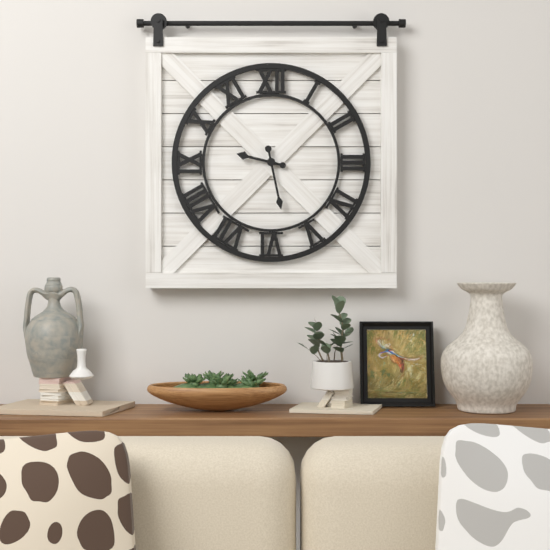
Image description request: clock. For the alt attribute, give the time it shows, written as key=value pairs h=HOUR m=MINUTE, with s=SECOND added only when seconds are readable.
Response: h=9 m=28
